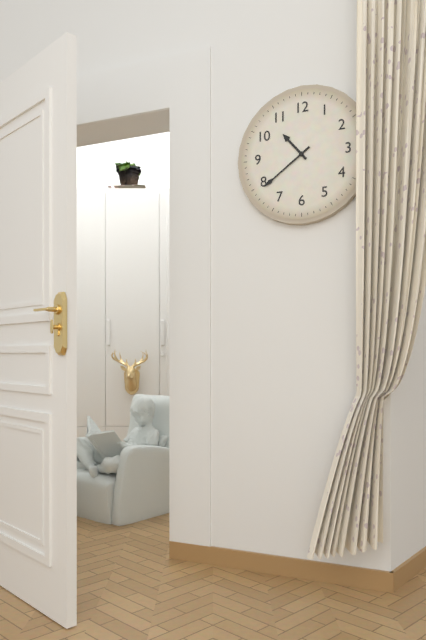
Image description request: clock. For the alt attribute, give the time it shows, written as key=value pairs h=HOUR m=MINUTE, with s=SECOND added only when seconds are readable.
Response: h=10 m=39
